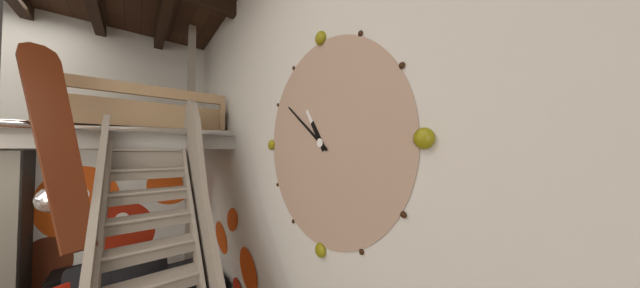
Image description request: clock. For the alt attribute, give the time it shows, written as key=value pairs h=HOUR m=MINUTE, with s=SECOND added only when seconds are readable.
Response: h=10 m=51
